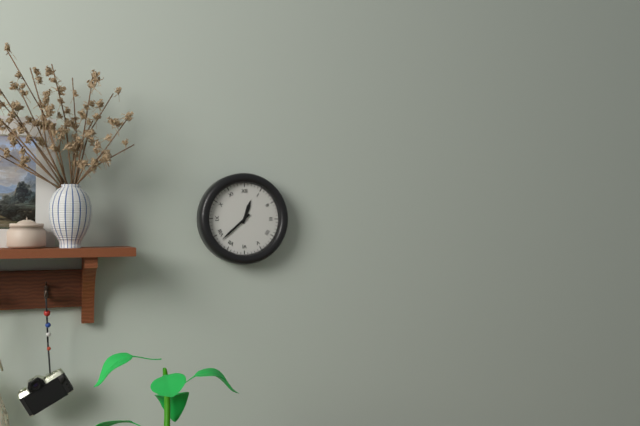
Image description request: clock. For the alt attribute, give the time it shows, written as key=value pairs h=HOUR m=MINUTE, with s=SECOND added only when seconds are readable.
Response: h=12 m=38
